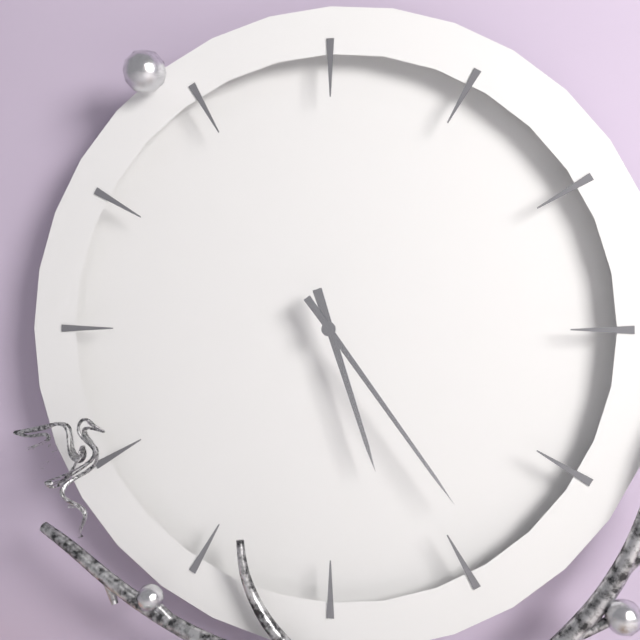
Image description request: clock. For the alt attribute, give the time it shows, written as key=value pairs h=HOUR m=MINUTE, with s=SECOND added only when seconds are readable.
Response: h=5 m=24
